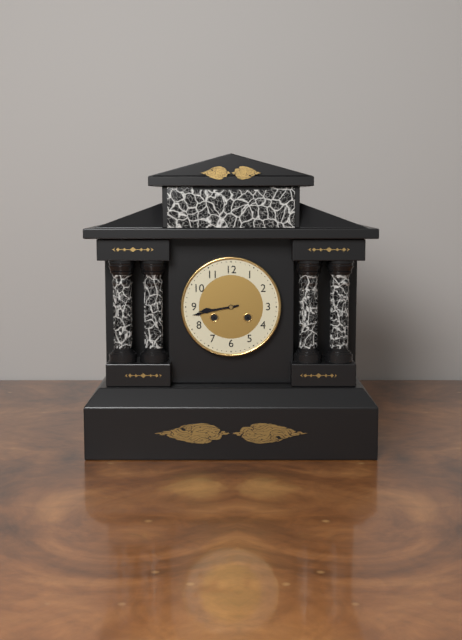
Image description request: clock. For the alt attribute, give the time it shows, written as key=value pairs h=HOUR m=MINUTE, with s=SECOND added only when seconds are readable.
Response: h=8 m=43
